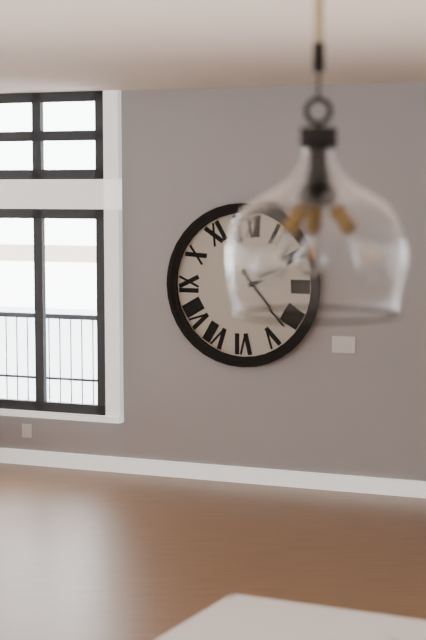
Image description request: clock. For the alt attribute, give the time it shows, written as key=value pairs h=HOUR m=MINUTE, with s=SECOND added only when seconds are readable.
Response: h=2 m=22
